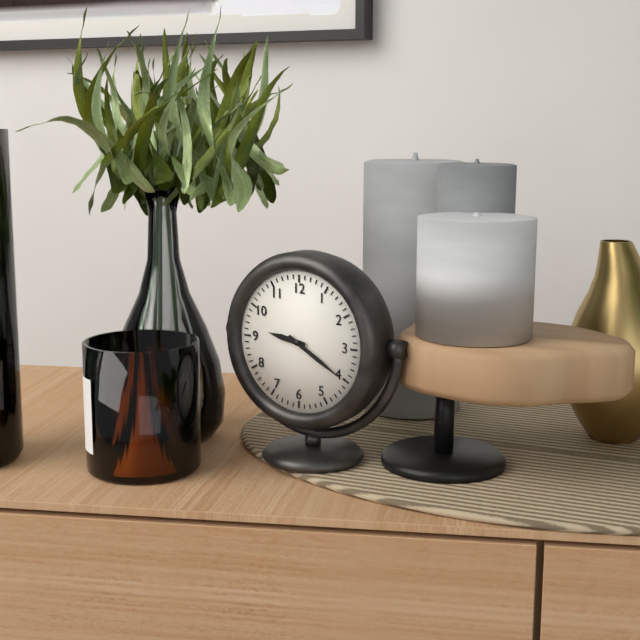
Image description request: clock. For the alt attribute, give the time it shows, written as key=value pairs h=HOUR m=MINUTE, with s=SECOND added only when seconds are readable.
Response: h=9 m=20
